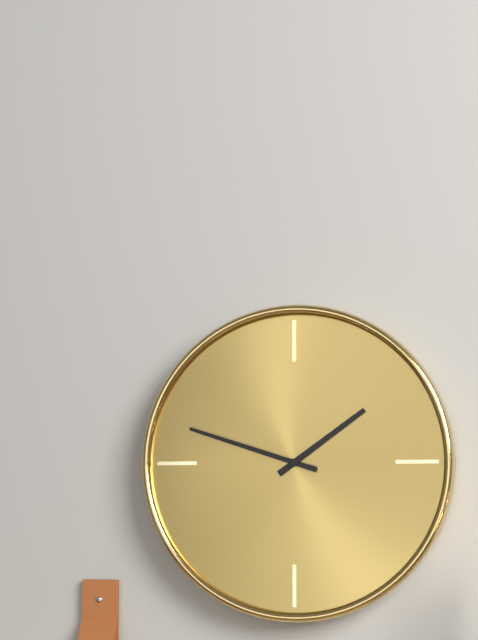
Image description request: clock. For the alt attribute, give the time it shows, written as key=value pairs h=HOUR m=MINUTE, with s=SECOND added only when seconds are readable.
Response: h=1 m=48
